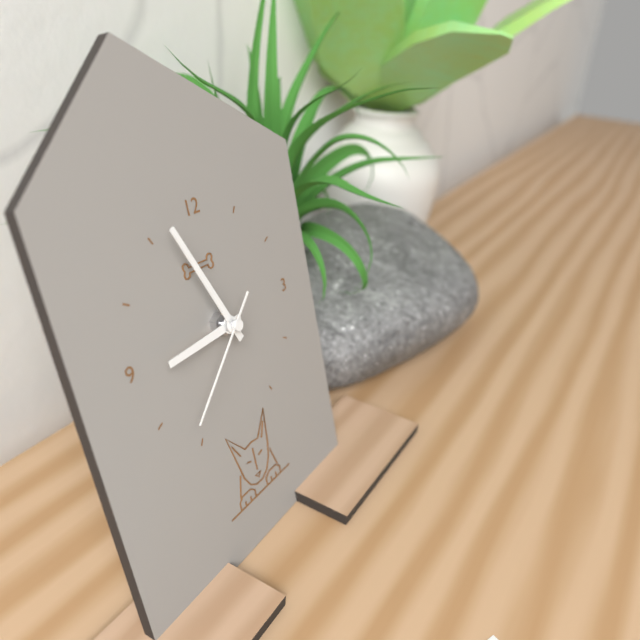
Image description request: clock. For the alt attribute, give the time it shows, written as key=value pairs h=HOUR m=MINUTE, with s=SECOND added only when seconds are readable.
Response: h=8 m=56 s=38
